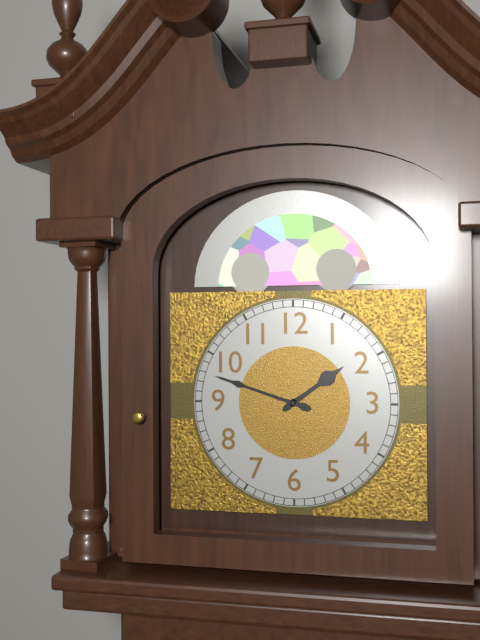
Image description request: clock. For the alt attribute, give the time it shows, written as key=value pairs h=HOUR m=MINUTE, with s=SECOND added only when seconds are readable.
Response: h=1 m=48
